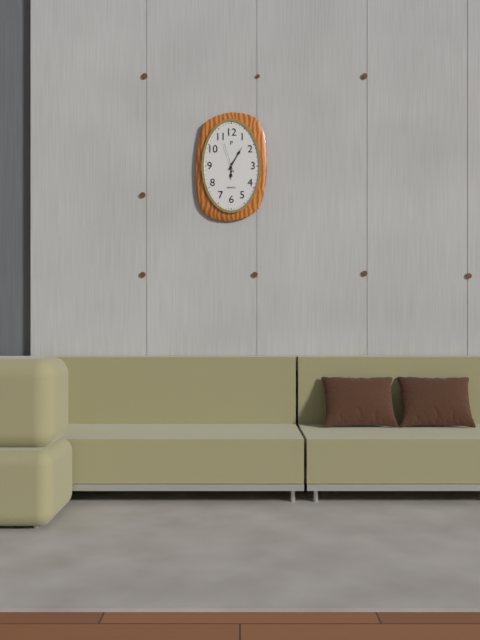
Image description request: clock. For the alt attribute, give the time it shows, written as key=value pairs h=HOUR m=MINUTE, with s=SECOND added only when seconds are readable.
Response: h=6 m=5
